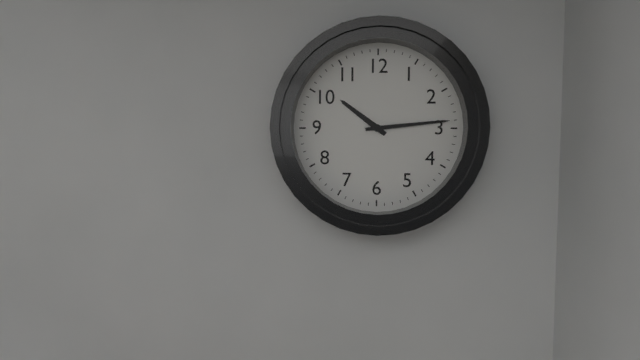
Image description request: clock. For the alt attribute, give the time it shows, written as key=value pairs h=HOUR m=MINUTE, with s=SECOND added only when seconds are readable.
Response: h=10 m=14
